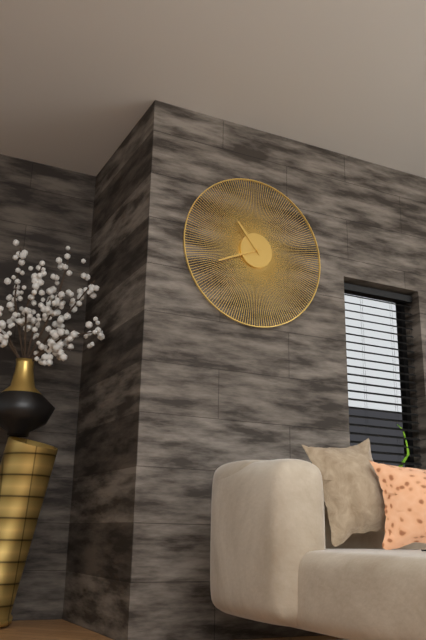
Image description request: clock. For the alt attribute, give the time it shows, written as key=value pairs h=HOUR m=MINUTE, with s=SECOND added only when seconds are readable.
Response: h=10 m=41
